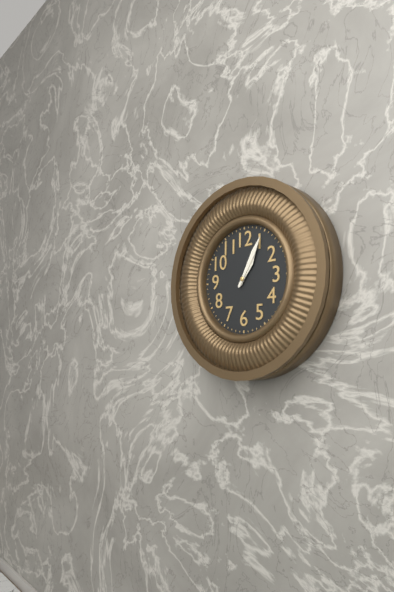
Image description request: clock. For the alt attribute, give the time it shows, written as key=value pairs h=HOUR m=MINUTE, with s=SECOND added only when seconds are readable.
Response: h=1 m=5
